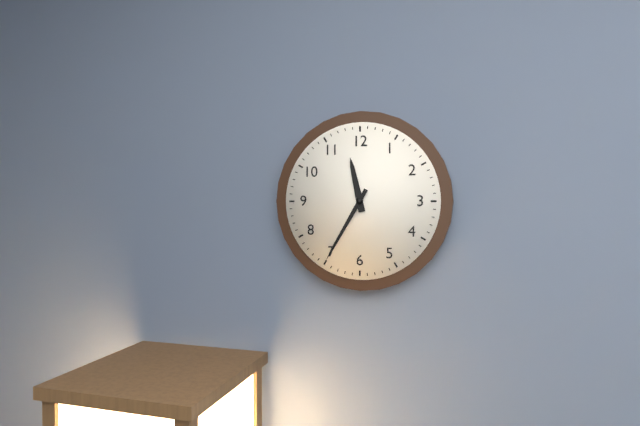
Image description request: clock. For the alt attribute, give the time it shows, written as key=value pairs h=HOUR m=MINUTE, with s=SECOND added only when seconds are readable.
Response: h=11 m=35
